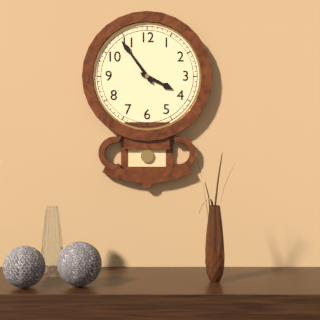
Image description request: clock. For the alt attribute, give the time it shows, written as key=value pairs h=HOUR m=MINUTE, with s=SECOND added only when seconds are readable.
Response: h=3 m=54
